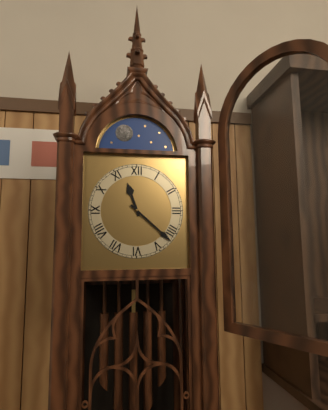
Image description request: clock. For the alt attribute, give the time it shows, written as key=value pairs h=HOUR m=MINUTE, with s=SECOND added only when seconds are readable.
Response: h=11 m=22
